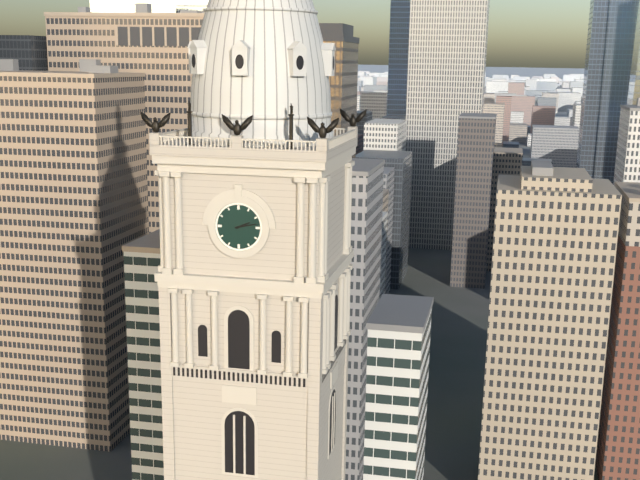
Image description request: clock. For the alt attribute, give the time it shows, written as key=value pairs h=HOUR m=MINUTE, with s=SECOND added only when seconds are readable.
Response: h=2 m=13
